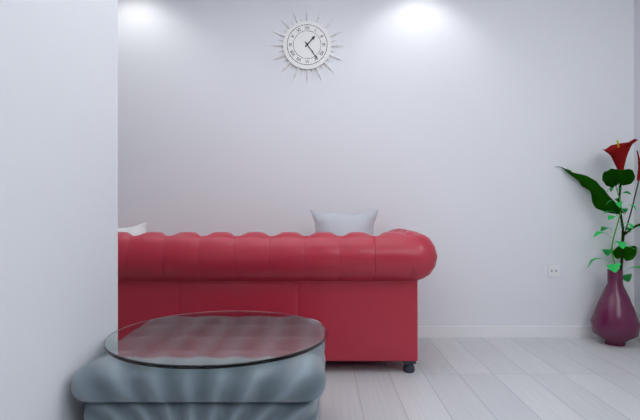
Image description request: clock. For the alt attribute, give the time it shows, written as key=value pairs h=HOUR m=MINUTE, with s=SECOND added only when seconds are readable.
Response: h=1 m=24
